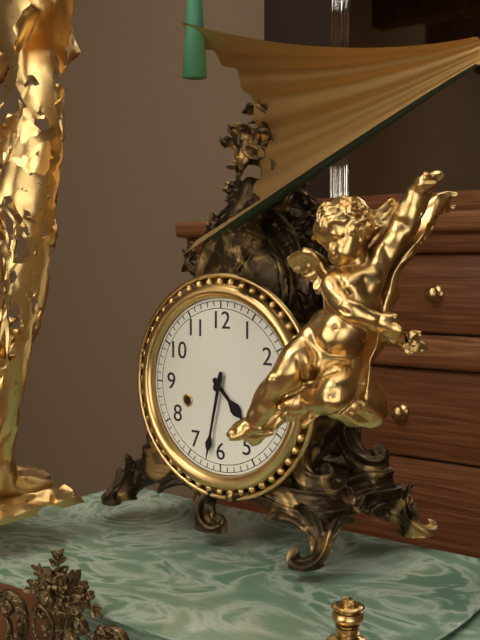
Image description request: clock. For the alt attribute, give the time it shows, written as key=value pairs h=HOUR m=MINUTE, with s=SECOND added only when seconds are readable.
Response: h=4 m=32
